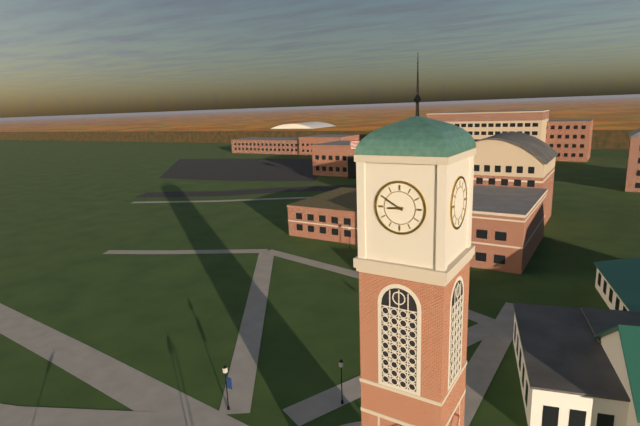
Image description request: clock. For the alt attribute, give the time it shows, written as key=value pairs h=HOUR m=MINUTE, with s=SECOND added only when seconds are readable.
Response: h=8 m=50
